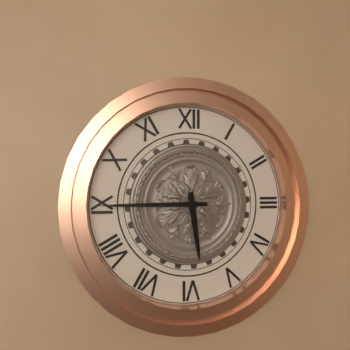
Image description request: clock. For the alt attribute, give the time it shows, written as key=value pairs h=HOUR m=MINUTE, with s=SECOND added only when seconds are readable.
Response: h=5 m=45
